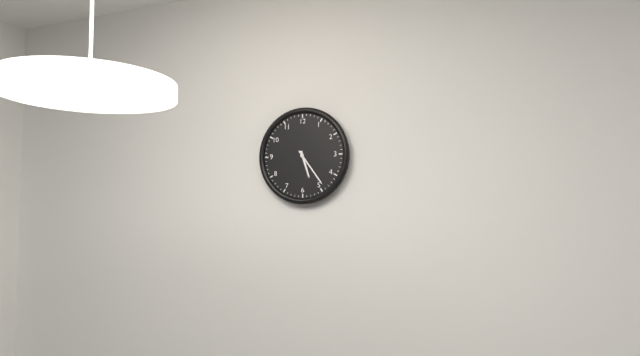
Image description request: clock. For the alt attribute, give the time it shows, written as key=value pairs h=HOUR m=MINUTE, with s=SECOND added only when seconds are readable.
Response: h=5 m=24
